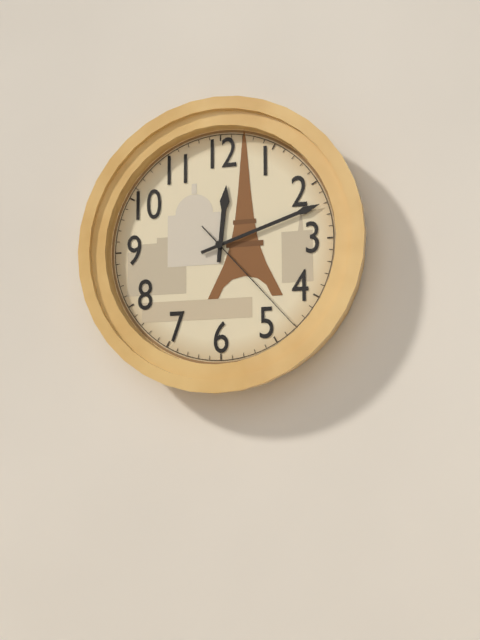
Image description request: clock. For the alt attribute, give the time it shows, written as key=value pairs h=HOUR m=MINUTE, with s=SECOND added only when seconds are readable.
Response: h=12 m=12 s=23
